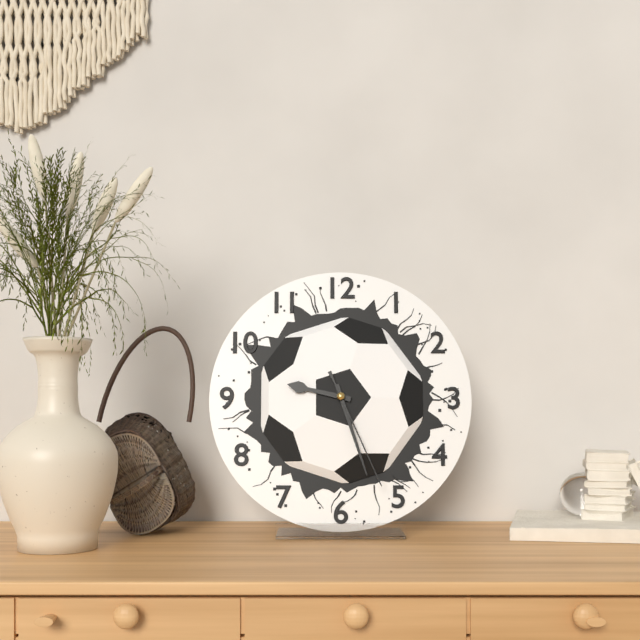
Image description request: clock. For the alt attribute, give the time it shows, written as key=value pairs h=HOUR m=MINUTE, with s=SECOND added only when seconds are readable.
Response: h=9 m=27 s=26
